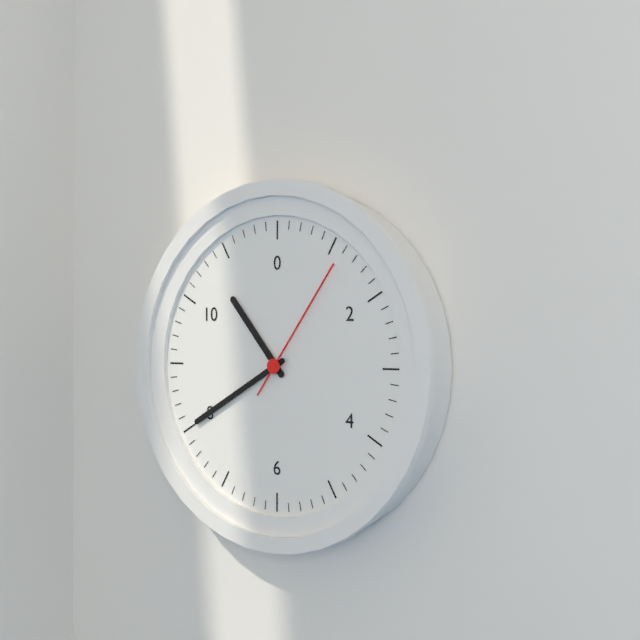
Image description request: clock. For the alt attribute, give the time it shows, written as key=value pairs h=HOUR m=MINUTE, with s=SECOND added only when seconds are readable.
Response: h=10 m=40 s=6
